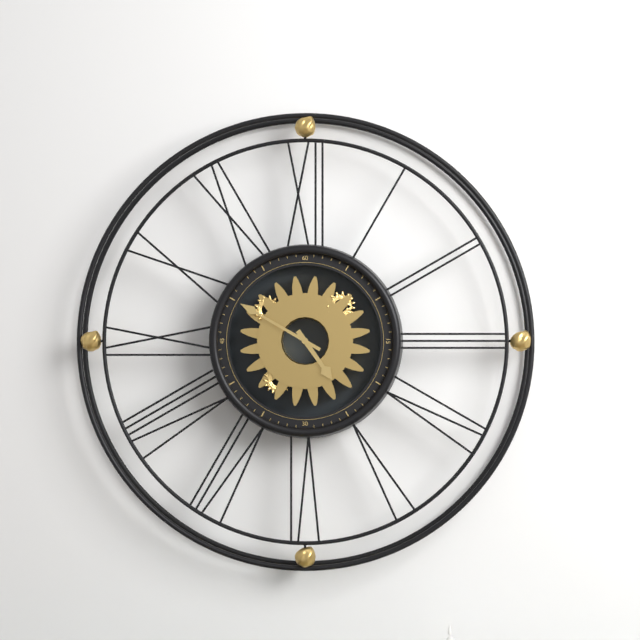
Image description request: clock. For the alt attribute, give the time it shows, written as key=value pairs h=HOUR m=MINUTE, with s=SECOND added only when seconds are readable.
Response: h=4 m=50
